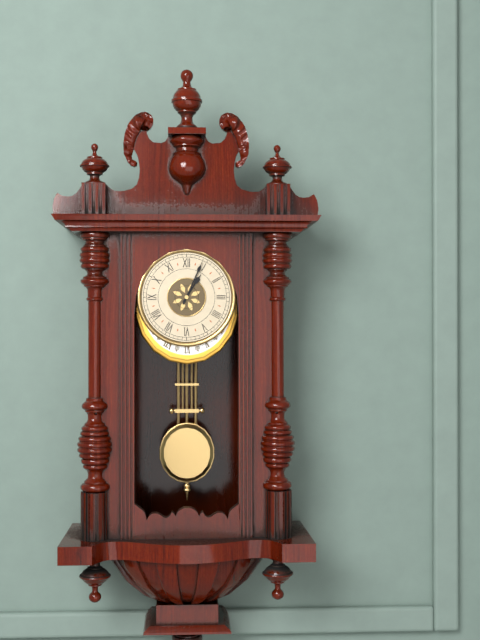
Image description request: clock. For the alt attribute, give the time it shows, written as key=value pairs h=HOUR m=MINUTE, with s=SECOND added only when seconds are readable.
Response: h=1 m=4
